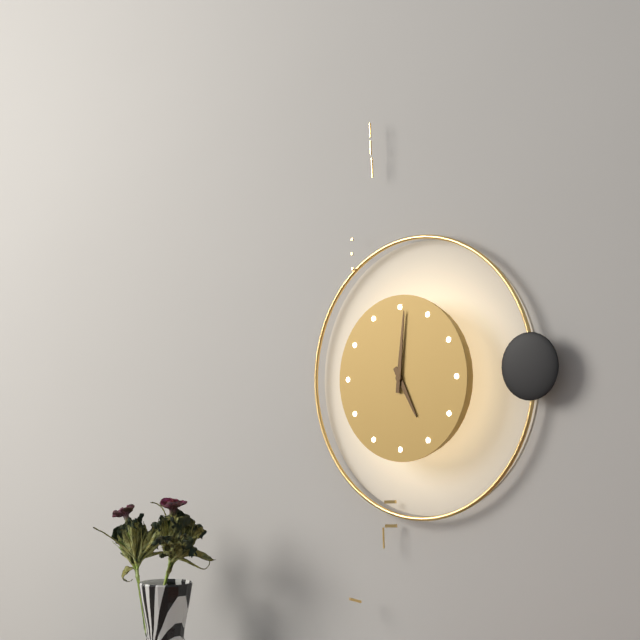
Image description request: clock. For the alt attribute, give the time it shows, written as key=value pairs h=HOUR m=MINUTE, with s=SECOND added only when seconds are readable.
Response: h=5 m=1
